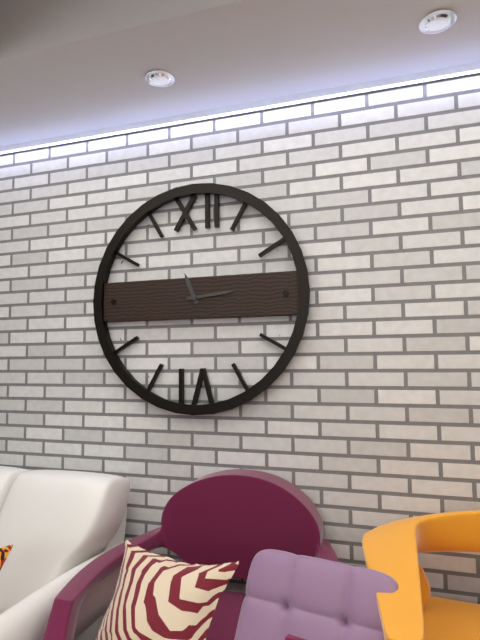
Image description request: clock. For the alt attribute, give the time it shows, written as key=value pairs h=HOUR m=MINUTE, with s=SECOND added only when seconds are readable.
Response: h=11 m=14
